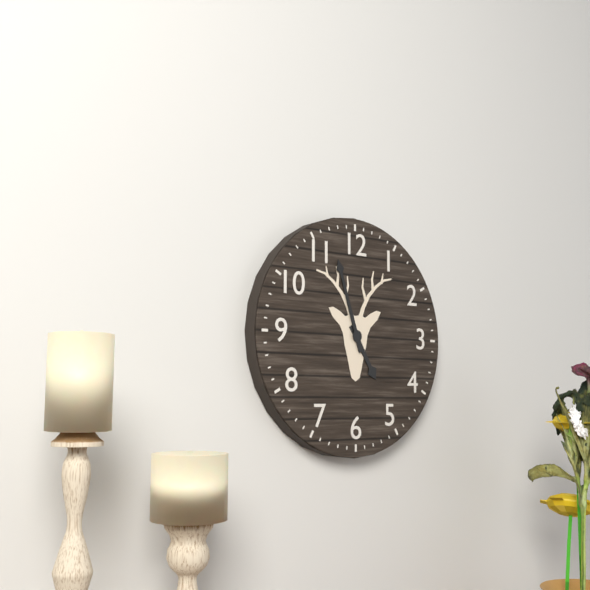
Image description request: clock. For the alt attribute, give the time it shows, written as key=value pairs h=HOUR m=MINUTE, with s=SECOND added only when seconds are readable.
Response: h=4 m=57
